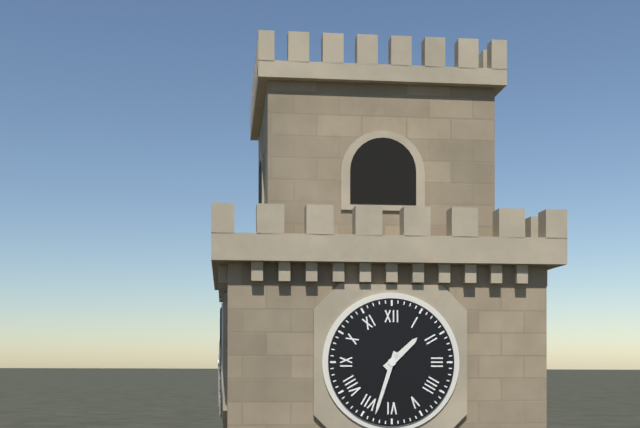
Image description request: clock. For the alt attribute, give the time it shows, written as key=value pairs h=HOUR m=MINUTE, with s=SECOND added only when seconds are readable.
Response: h=1 m=33
